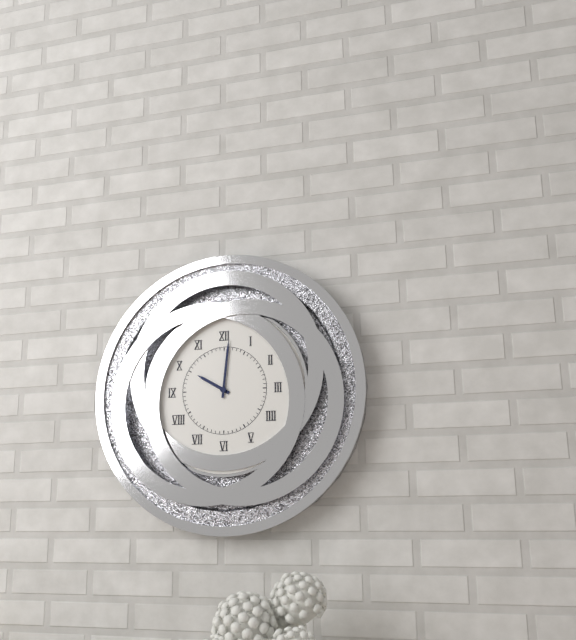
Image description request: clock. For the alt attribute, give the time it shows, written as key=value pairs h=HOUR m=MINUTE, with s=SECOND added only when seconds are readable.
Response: h=10 m=1
